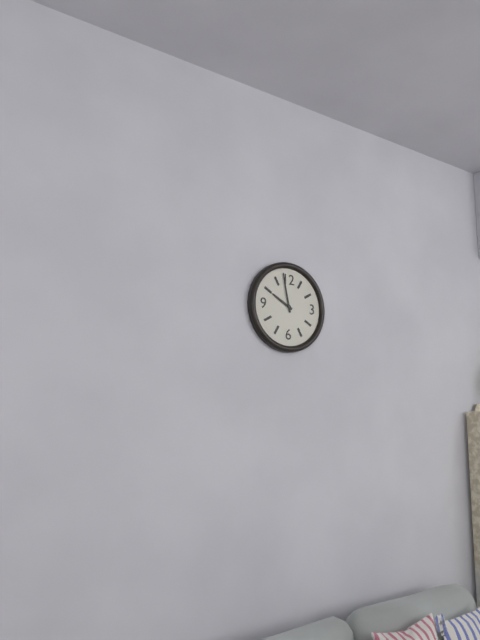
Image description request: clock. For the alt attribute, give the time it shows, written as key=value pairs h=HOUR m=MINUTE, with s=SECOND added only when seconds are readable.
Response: h=9 m=58
